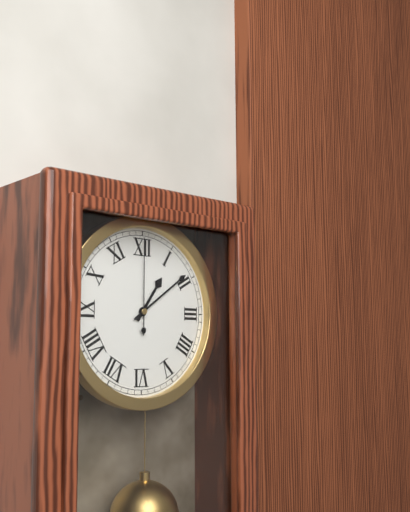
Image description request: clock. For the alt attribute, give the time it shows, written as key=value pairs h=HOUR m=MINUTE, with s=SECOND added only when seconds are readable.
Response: h=1 m=9 s=0
